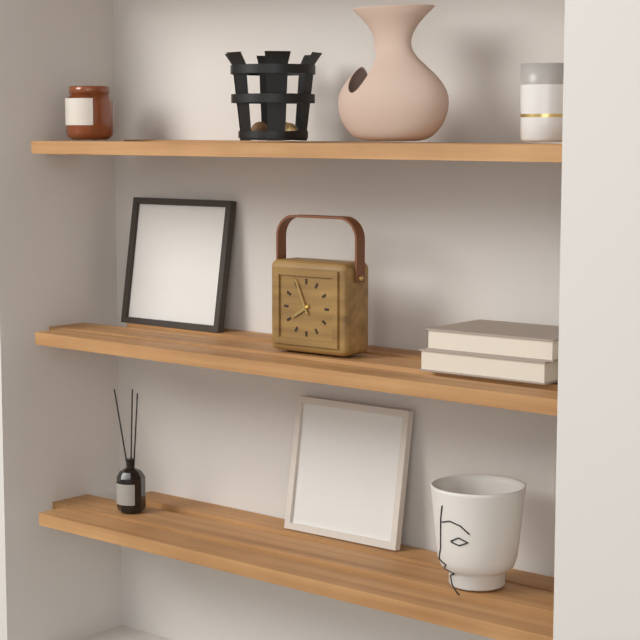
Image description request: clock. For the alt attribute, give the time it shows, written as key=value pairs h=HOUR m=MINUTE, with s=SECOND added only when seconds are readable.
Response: h=7 m=56
